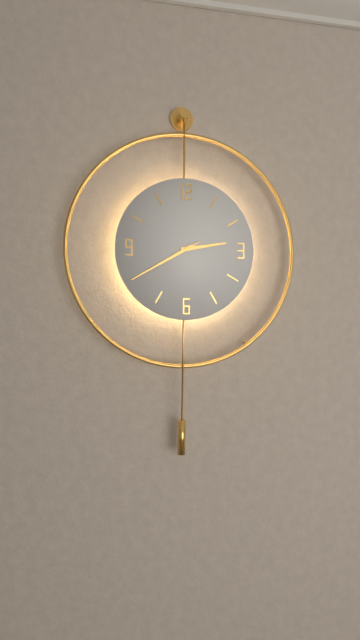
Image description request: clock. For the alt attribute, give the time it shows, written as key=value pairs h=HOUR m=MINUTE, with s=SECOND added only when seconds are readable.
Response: h=2 m=40 s=40
